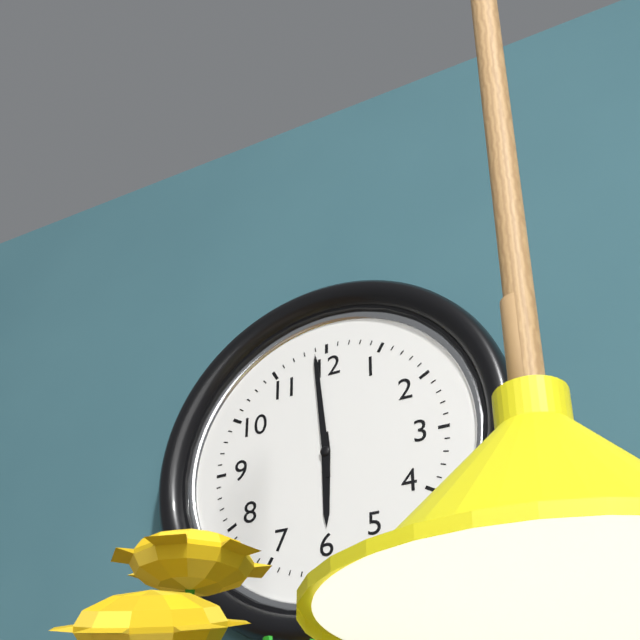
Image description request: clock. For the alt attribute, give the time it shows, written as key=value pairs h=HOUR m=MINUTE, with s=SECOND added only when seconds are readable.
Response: h=5 m=59
